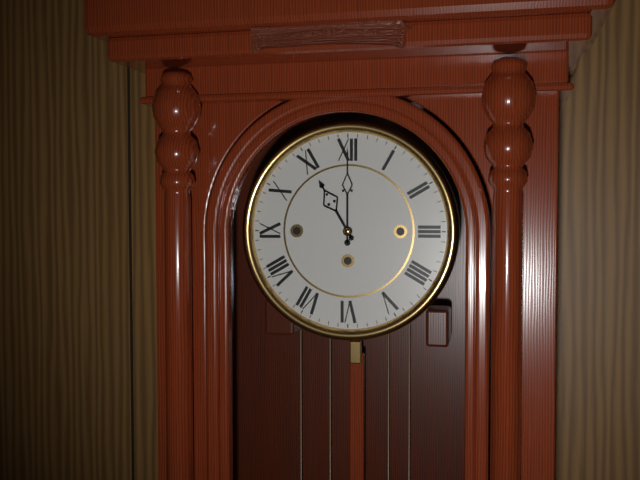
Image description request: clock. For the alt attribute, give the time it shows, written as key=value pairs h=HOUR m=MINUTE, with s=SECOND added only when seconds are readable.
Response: h=11 m=0
